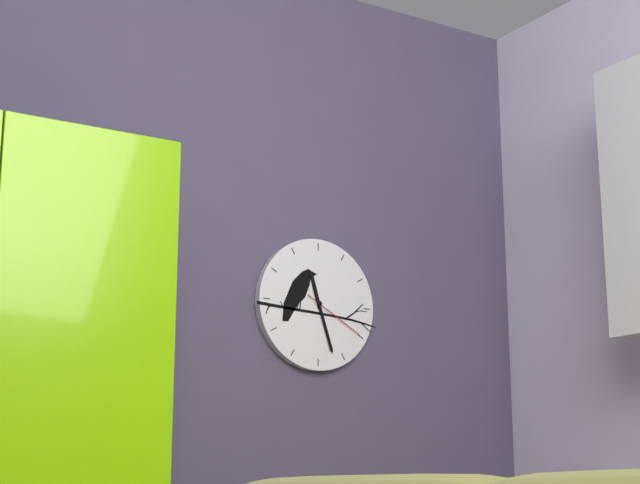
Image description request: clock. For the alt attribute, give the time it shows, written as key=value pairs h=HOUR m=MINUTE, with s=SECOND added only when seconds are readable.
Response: h=11 m=27 s=20
